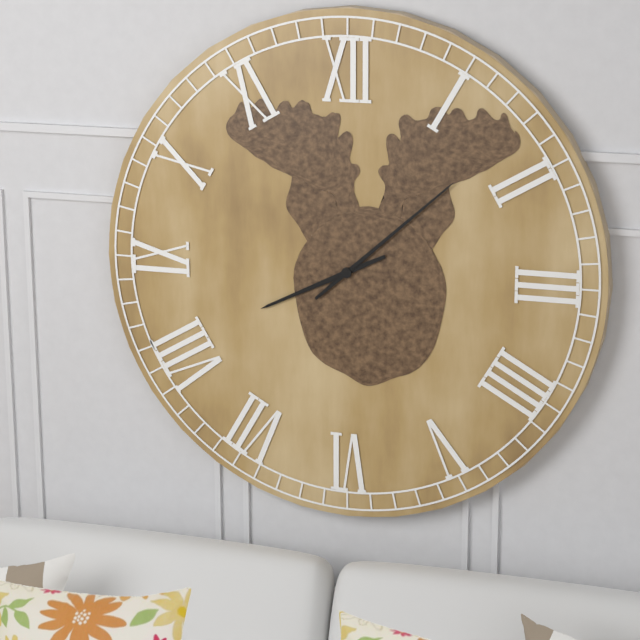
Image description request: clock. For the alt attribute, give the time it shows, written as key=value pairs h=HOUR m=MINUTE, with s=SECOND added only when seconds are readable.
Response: h=8 m=8
